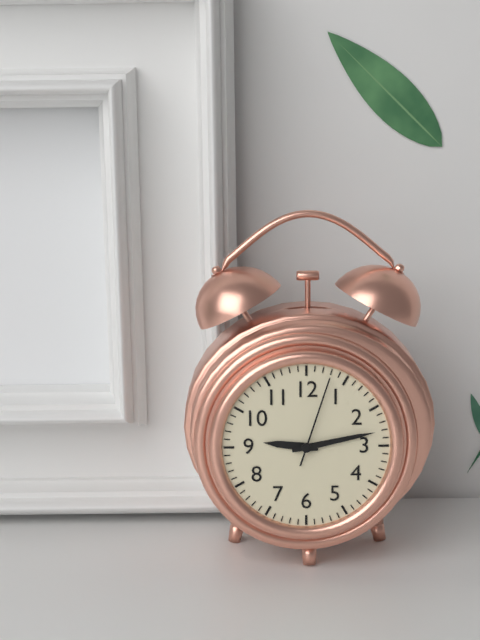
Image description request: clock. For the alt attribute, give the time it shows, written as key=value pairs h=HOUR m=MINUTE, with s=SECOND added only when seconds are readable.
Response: h=9 m=13 s=3
